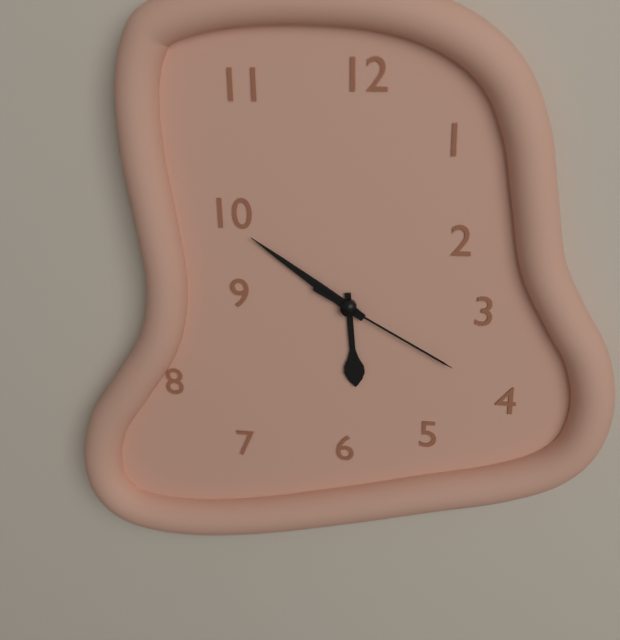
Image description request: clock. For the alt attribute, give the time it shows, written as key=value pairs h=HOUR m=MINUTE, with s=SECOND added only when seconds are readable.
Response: h=5 m=51 s=20
